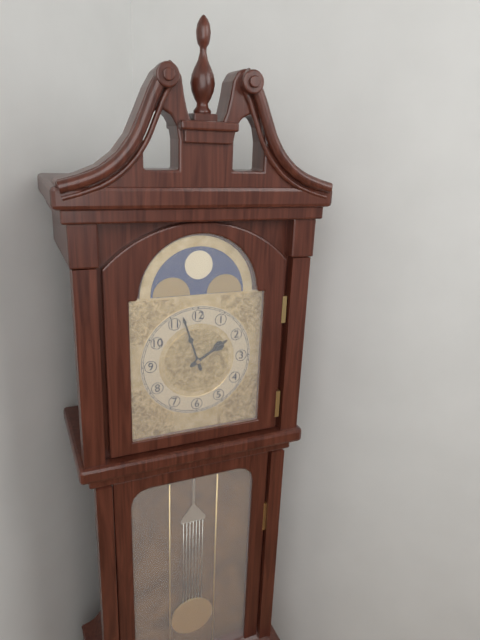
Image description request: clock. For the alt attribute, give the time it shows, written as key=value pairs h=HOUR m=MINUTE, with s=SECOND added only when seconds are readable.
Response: h=1 m=57
